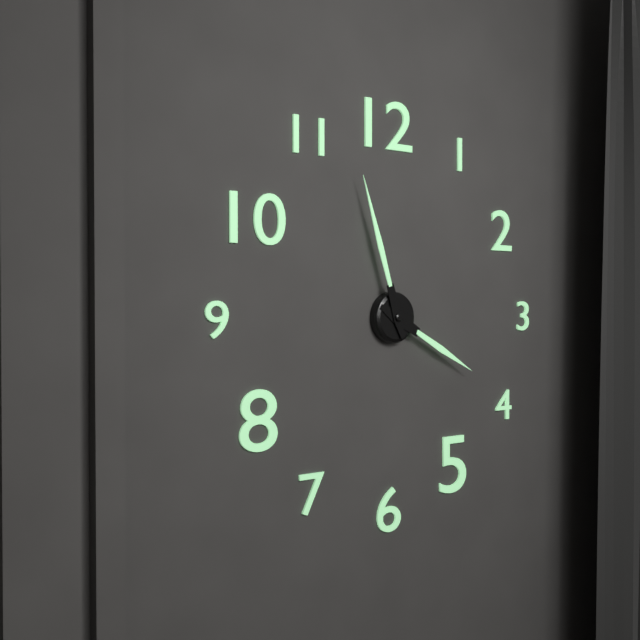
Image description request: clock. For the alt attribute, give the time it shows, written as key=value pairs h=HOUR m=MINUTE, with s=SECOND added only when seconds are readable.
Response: h=3 m=57
